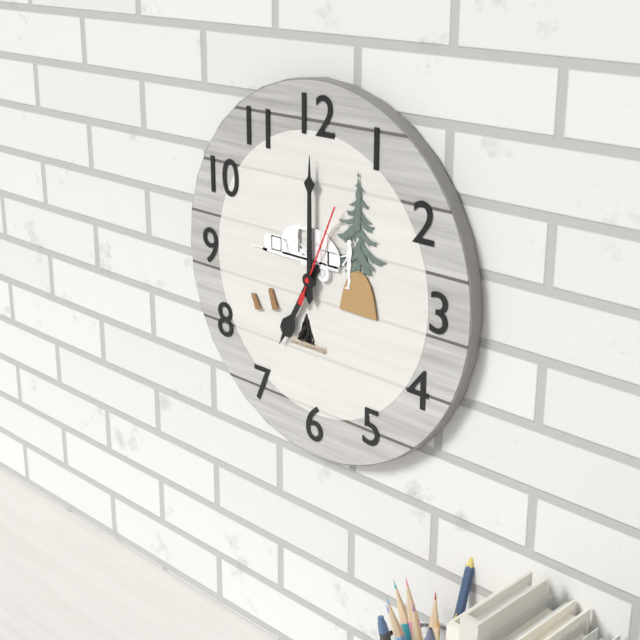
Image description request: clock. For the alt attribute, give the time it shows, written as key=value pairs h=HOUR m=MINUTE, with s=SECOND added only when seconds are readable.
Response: h=7 m=0 s=4
